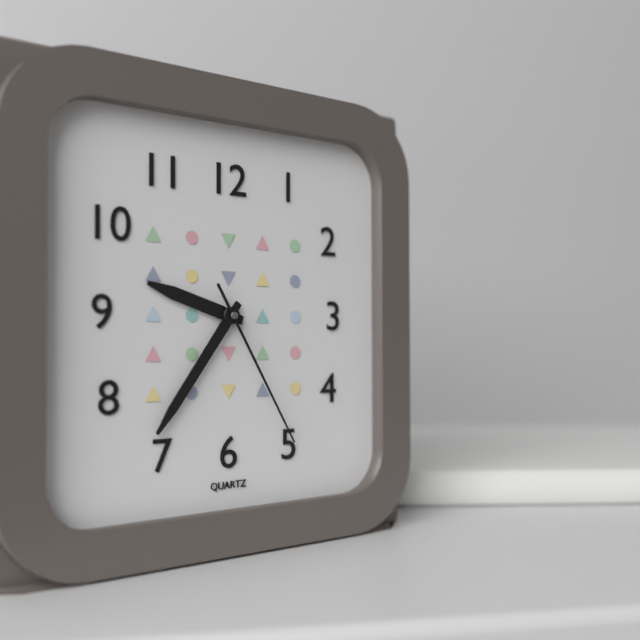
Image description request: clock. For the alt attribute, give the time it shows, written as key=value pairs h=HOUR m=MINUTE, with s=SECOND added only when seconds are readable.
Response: h=9 m=36 s=25
